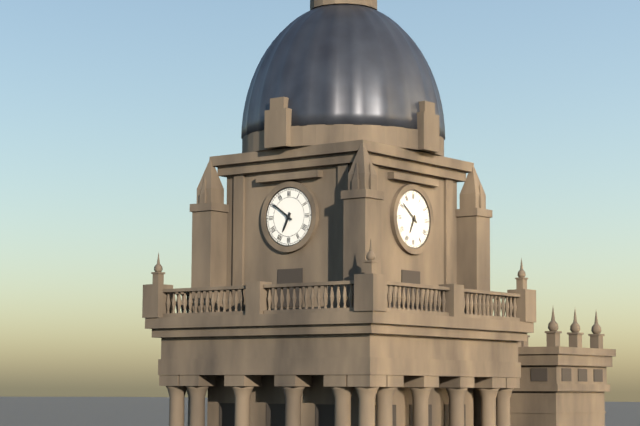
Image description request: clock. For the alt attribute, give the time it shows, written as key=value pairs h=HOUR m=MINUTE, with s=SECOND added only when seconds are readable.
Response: h=6 m=51
